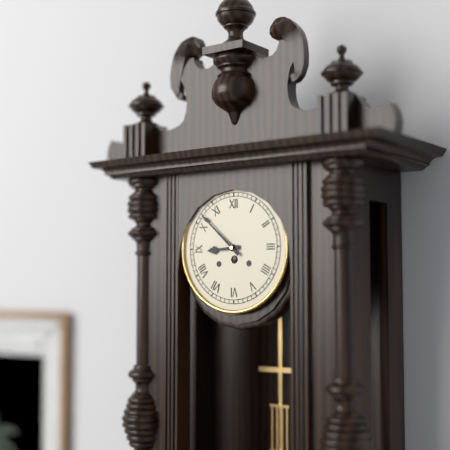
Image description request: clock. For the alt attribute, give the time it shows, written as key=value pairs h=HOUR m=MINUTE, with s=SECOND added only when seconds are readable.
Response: h=8 m=52
